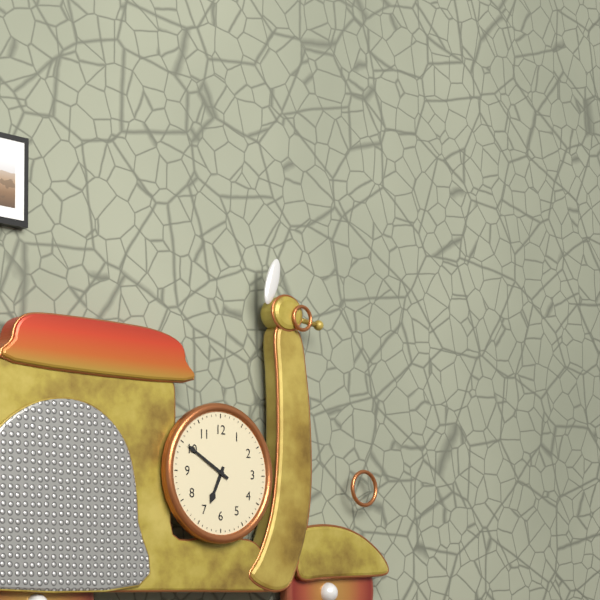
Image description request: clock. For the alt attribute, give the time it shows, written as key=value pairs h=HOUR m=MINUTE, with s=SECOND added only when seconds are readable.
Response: h=6 m=50
